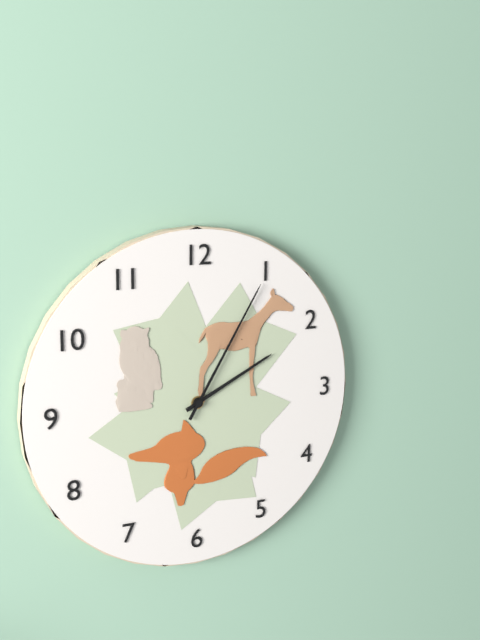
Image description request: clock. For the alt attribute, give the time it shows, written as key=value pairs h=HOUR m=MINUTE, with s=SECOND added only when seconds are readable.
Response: h=2 m=5
